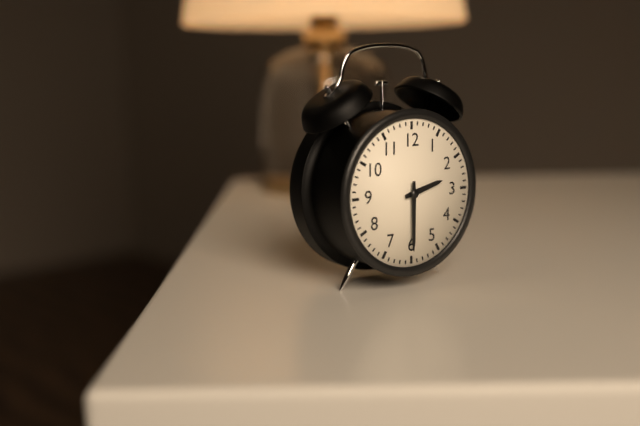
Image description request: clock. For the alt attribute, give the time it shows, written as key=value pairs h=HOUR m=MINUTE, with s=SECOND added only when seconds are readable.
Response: h=2 m=30
